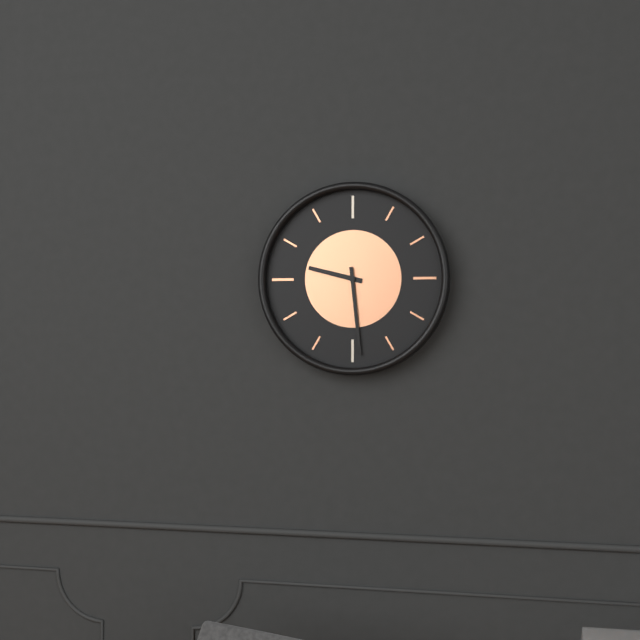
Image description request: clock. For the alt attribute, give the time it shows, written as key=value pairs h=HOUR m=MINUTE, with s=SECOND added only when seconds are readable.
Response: h=9 m=29
